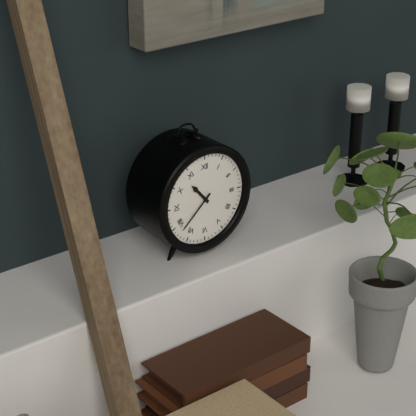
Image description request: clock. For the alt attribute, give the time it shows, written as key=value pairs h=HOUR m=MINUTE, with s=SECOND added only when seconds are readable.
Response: h=10 m=38
